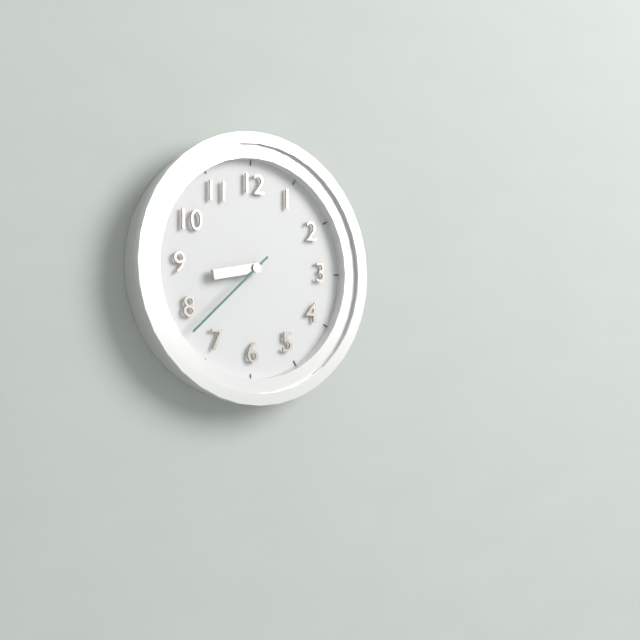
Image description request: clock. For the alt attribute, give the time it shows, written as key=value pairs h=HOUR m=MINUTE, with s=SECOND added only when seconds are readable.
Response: h=8 m=38
